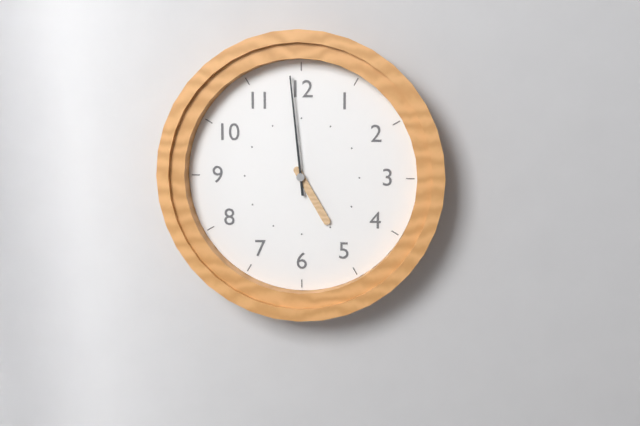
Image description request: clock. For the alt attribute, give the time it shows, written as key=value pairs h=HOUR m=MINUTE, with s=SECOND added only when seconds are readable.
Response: h=4 m=59
